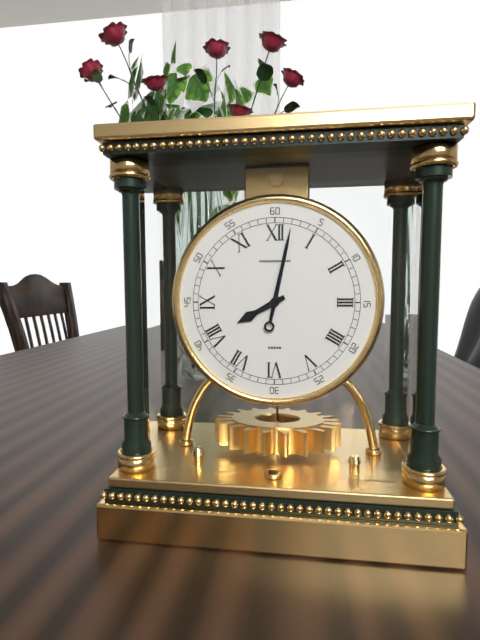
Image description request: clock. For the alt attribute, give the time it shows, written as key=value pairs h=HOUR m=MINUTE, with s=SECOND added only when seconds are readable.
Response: h=8 m=2
